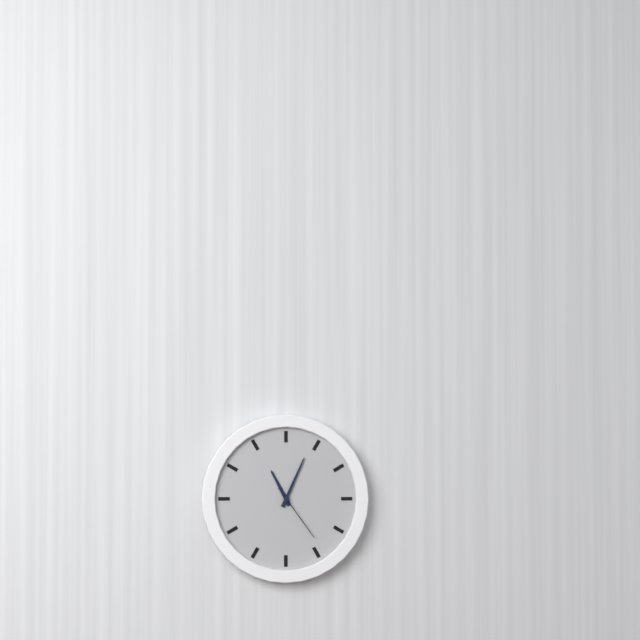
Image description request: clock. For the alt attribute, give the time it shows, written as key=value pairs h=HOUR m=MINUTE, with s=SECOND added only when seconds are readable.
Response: h=11 m=4 s=24
